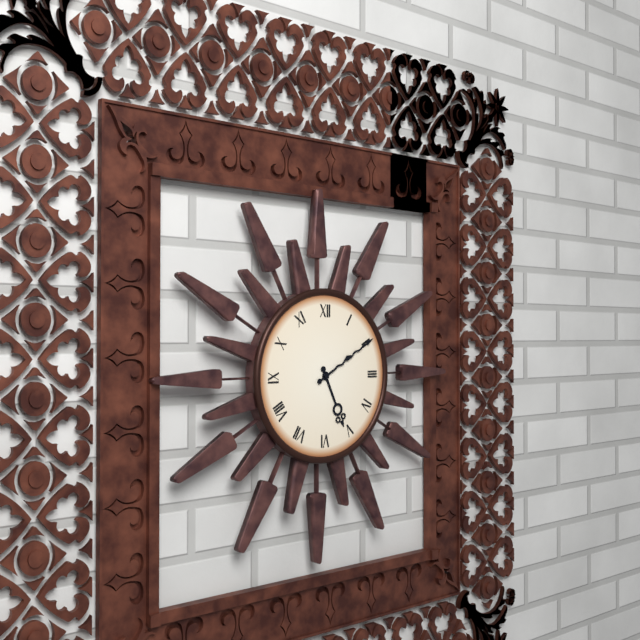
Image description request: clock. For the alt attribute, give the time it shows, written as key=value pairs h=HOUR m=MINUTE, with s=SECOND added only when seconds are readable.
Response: h=5 m=10
